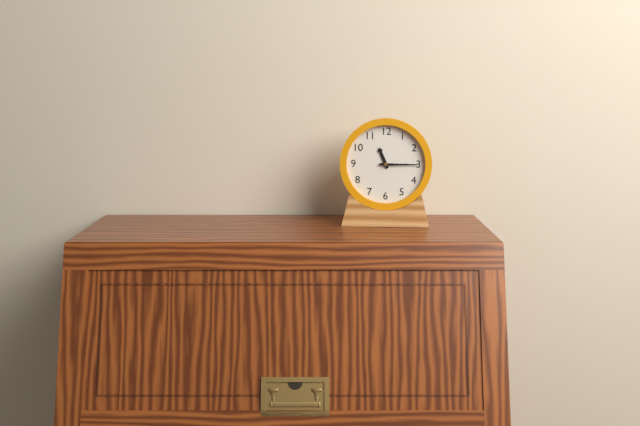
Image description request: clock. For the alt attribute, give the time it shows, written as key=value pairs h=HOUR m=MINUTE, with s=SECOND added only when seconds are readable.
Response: h=11 m=15
